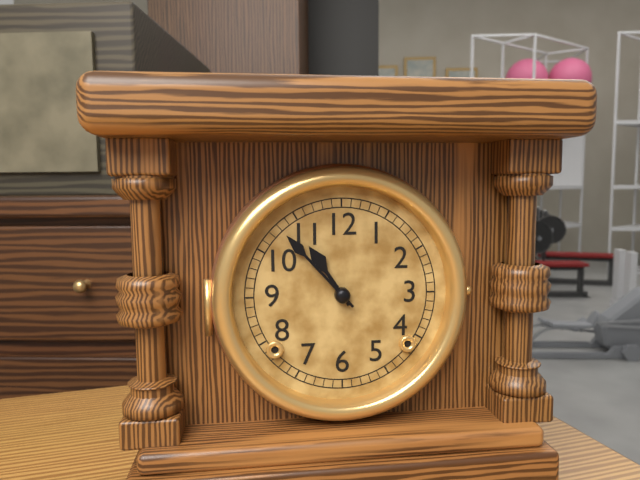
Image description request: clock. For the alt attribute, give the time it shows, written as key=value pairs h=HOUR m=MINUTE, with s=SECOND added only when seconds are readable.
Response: h=10 m=53
